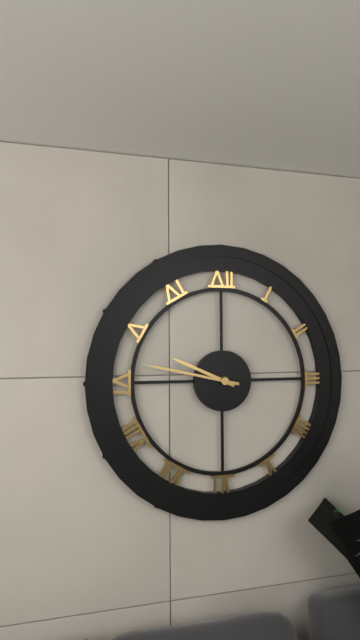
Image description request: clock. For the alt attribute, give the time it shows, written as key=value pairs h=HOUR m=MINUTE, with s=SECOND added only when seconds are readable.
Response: h=9 m=47
